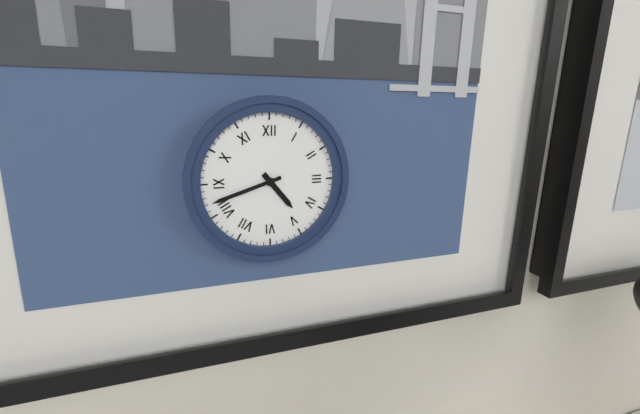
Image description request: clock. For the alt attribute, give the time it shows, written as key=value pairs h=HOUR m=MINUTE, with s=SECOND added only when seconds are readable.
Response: h=4 m=42
